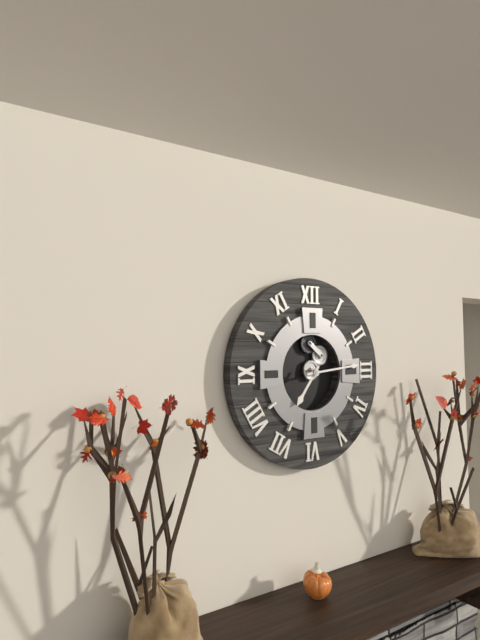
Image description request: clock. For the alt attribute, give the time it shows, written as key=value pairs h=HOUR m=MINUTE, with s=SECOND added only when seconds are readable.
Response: h=7 m=14
